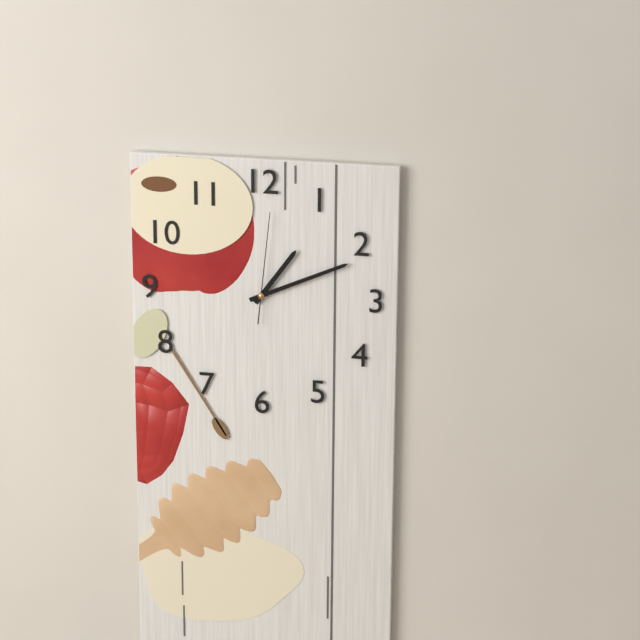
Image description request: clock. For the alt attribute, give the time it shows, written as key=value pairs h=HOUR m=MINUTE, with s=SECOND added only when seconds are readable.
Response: h=1 m=11 s=1
